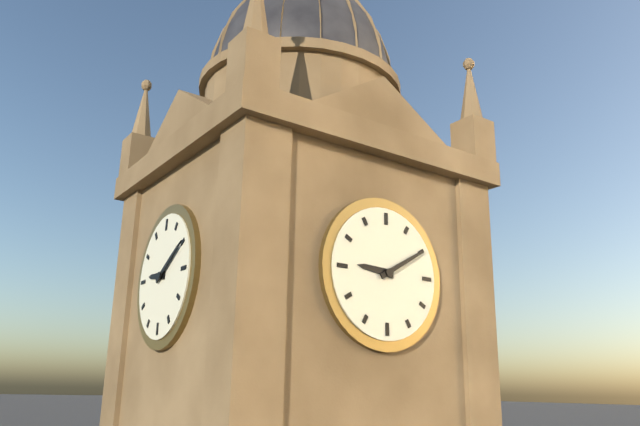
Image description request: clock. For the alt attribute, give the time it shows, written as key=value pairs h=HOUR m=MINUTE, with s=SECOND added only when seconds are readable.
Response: h=9 m=10
